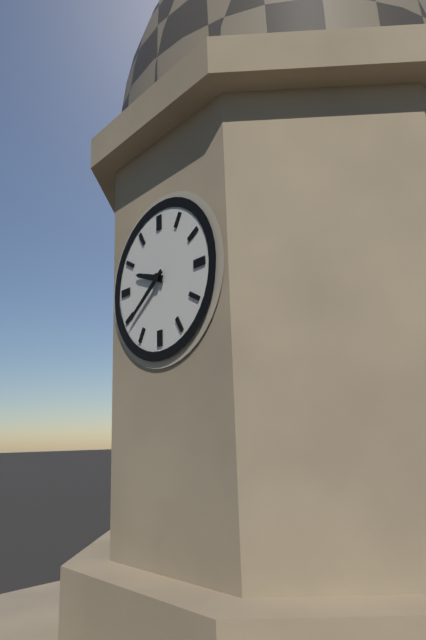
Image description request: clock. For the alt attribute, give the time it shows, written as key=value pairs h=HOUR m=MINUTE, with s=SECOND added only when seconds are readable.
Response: h=9 m=39
